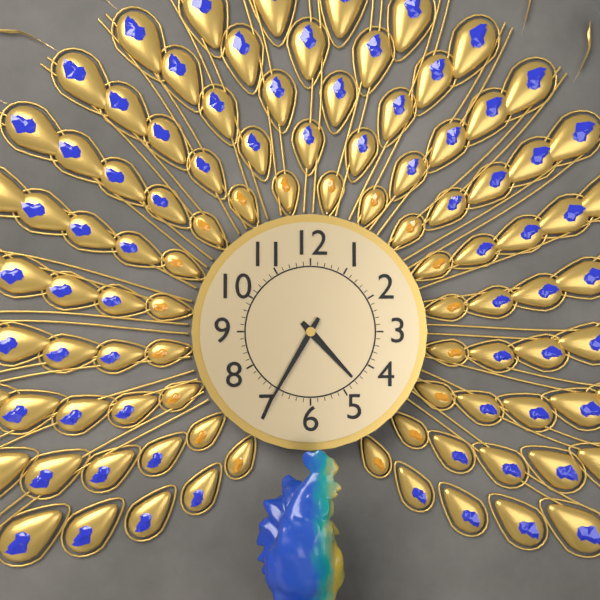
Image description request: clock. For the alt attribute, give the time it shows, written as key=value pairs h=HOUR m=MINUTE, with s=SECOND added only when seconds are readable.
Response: h=4 m=35
